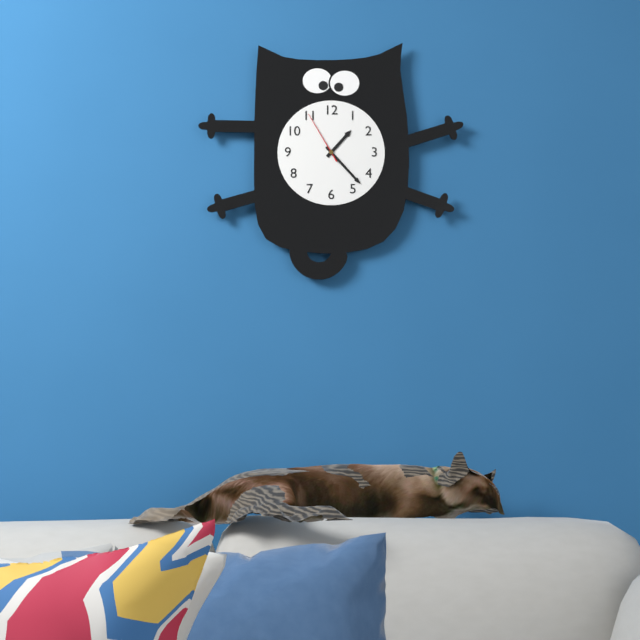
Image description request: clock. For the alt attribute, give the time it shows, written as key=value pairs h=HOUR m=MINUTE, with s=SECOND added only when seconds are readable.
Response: h=1 m=23 s=55
